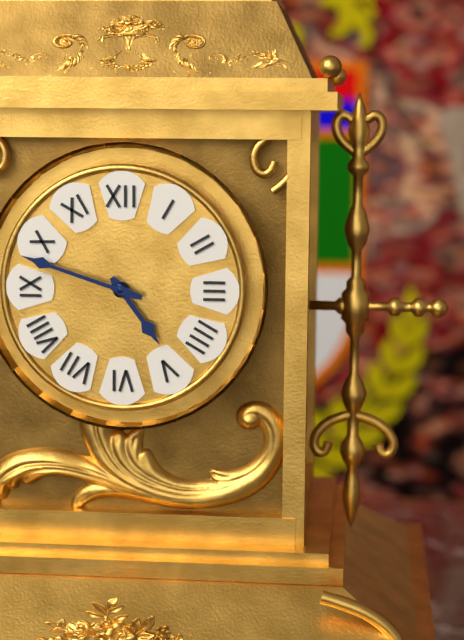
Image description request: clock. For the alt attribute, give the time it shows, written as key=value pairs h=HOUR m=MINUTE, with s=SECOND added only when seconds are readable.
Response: h=4 m=48
